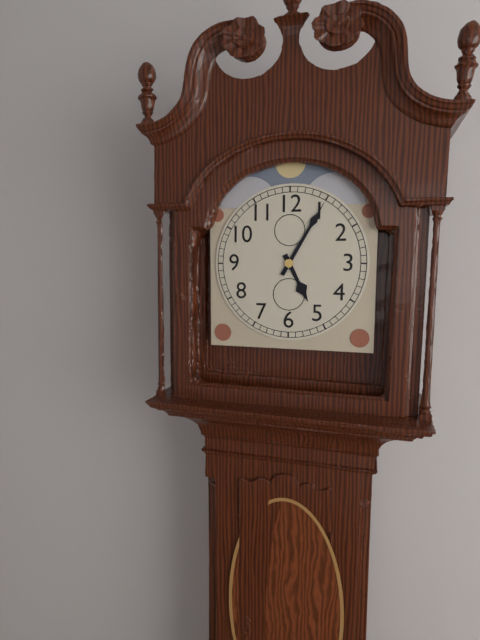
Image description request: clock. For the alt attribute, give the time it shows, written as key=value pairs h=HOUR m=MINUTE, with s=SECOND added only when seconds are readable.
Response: h=5 m=5
